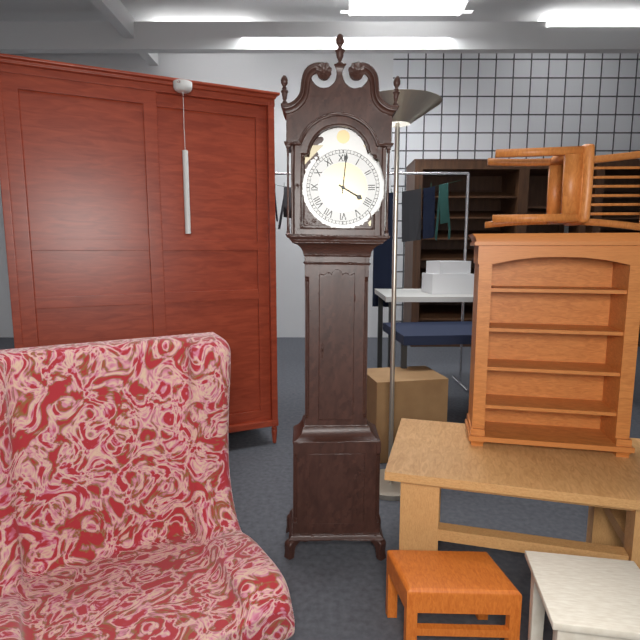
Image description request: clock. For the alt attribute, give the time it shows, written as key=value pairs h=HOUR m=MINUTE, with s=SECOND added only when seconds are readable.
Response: h=4 m=1
